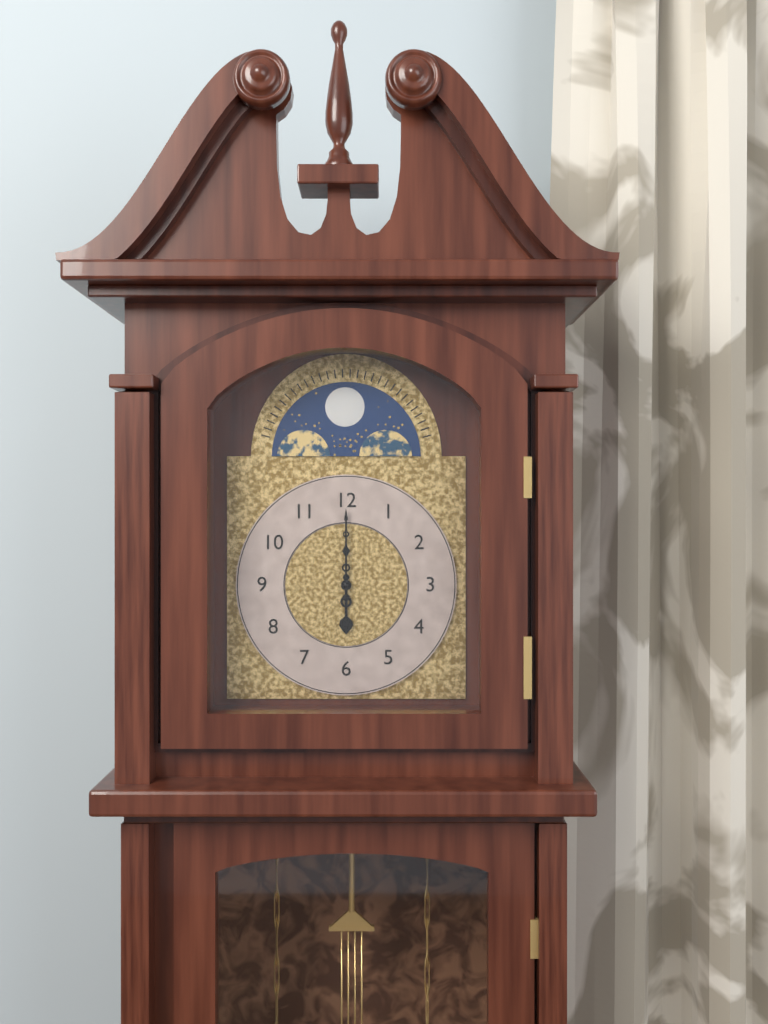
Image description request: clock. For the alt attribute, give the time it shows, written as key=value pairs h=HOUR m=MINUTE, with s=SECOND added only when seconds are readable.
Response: h=6 m=0
